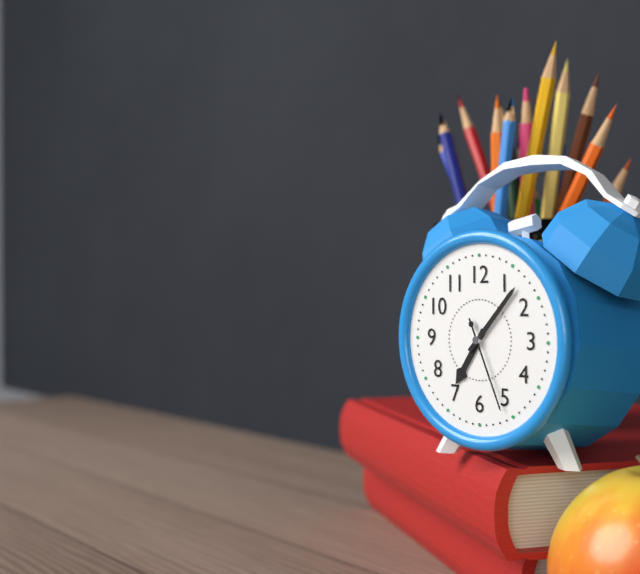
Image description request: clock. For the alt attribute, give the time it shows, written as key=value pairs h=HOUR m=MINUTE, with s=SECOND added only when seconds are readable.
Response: h=7 m=7 s=26
